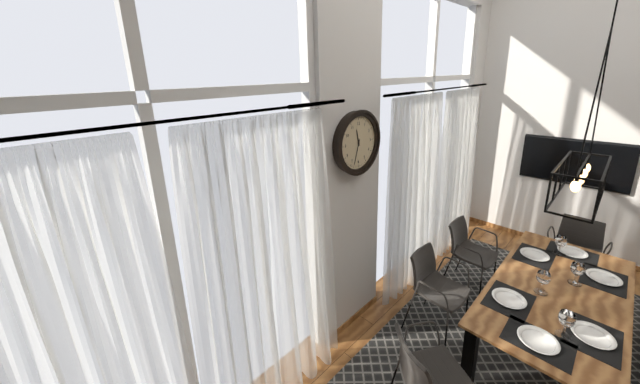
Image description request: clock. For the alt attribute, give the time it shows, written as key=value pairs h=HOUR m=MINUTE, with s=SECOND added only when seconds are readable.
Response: h=11 m=33
